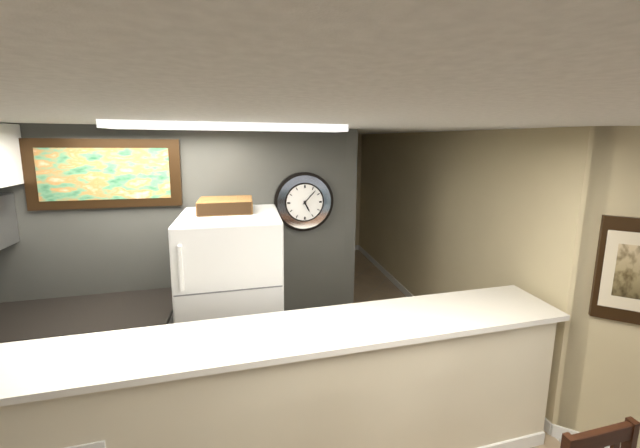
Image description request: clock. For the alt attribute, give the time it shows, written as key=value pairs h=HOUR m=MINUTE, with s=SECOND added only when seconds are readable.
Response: h=5 m=7
